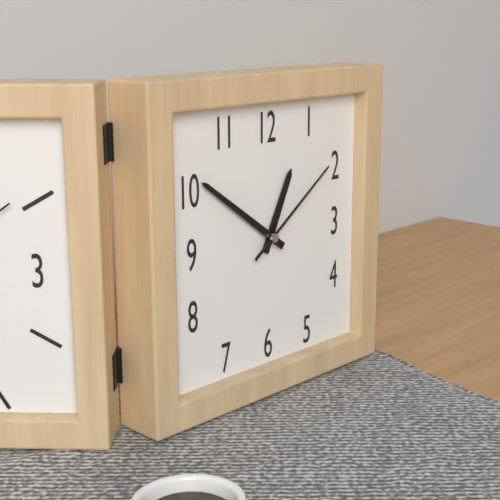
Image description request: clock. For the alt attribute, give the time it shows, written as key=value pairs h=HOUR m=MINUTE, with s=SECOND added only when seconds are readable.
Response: h=12 m=51 s=9
